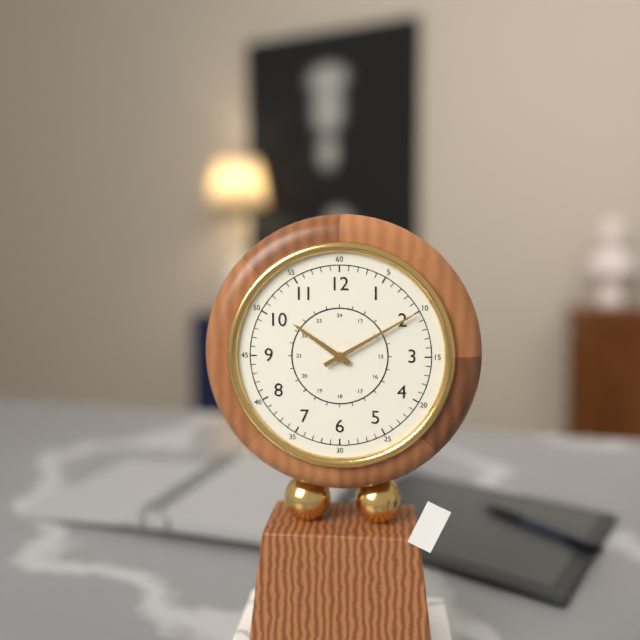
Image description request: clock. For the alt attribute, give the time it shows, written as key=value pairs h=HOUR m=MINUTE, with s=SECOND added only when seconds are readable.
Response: h=10 m=10
